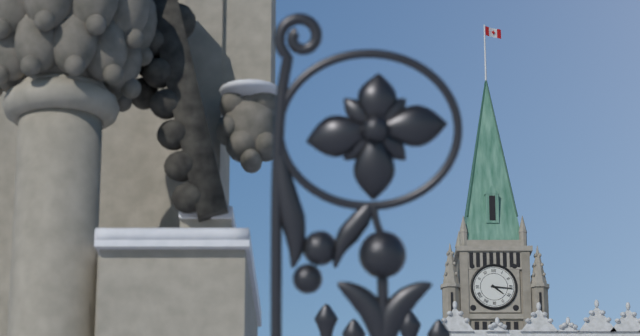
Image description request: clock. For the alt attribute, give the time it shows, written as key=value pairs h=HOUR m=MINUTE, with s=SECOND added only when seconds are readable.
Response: h=4 m=16
